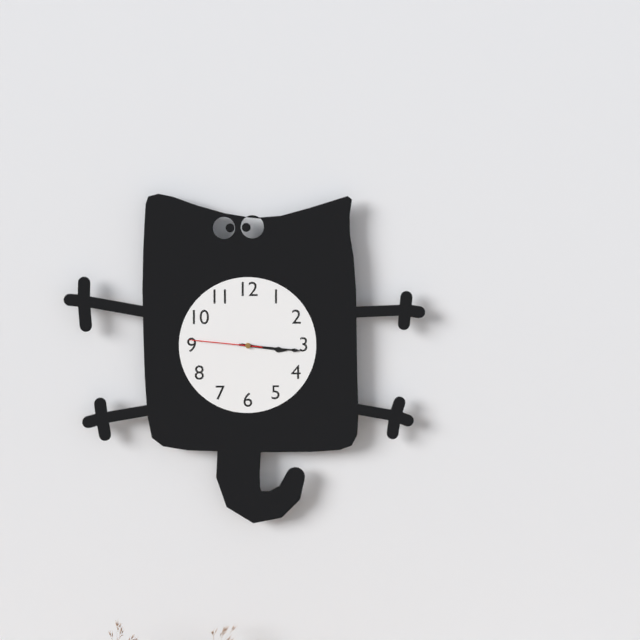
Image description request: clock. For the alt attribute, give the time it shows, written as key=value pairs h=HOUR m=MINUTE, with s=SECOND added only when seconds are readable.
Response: h=3 m=16 s=46
